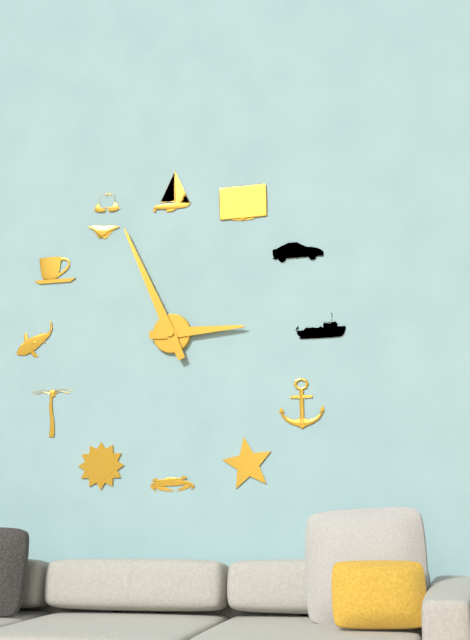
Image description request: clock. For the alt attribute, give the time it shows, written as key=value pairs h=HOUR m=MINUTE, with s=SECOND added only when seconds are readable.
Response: h=2 m=56
